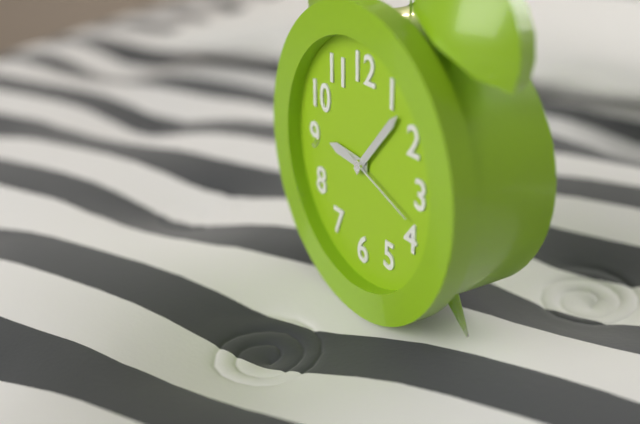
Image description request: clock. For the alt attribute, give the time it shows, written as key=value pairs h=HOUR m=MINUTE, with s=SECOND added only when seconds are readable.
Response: h=9 m=7 s=18
